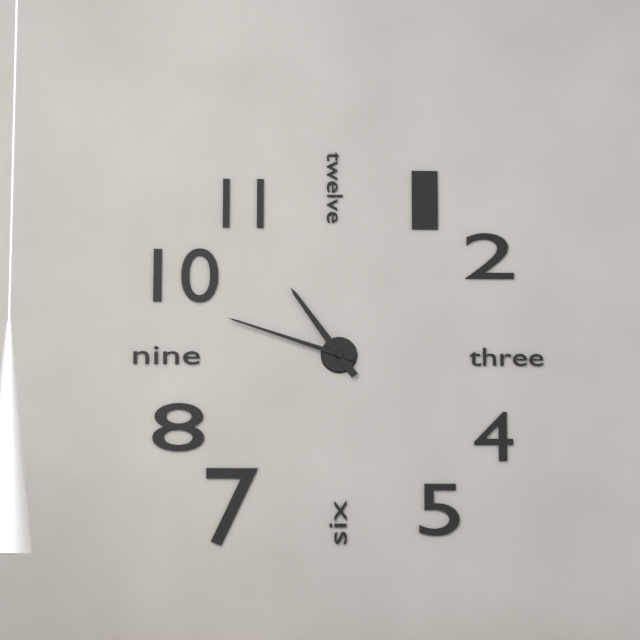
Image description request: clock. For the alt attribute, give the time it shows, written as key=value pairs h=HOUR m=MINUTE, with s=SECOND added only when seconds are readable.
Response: h=10 m=48
